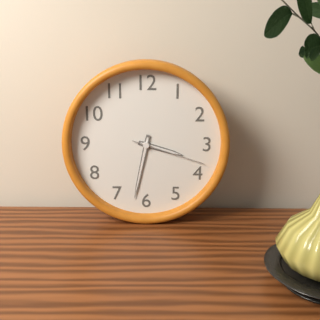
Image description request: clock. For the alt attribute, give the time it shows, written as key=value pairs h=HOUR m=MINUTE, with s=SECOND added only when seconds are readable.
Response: h=3 m=32 s=18
